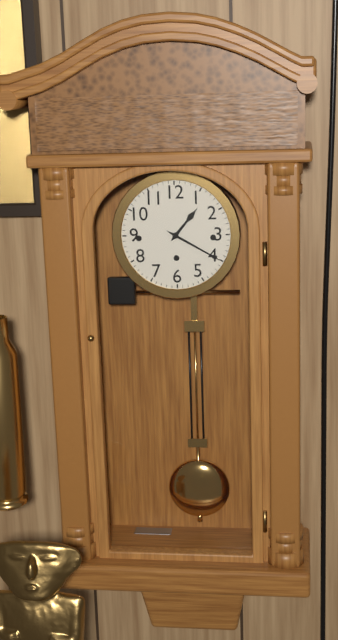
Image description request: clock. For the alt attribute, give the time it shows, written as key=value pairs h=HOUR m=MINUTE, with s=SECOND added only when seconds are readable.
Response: h=1 m=20
